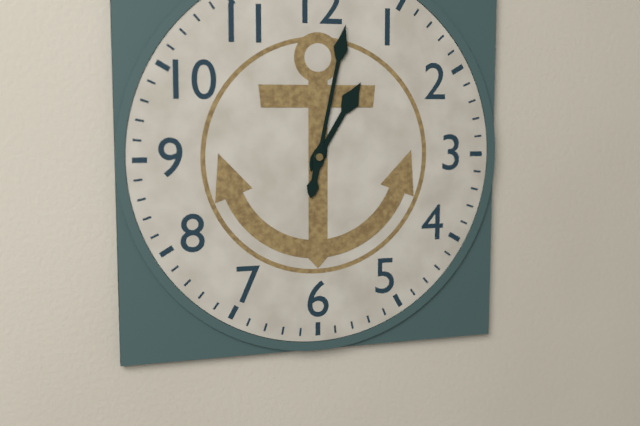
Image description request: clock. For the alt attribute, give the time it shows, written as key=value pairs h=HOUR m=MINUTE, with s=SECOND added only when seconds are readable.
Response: h=1 m=2
